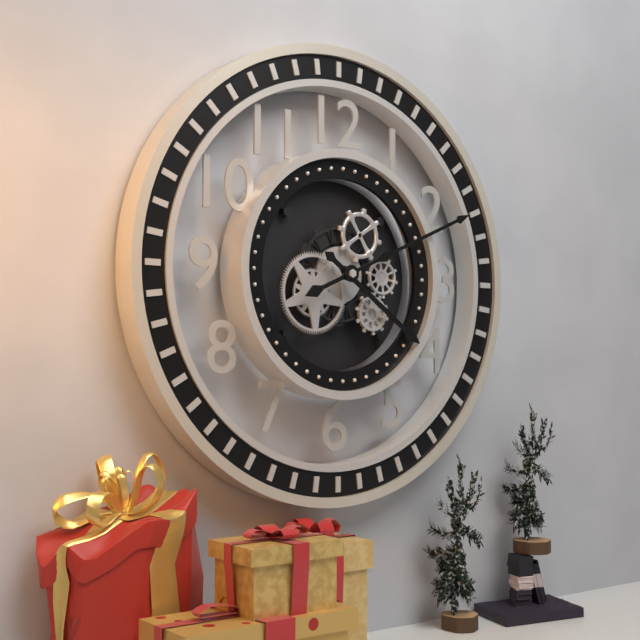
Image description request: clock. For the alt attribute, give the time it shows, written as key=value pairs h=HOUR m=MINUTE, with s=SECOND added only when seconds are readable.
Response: h=4 m=11
